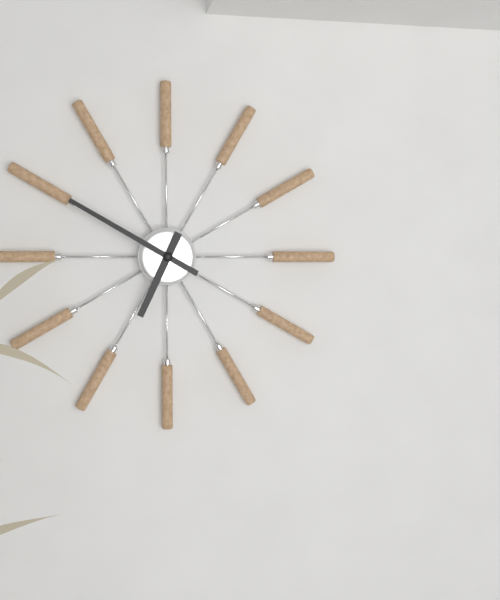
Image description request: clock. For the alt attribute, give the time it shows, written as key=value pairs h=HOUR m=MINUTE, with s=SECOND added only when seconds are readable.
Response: h=6 m=50
